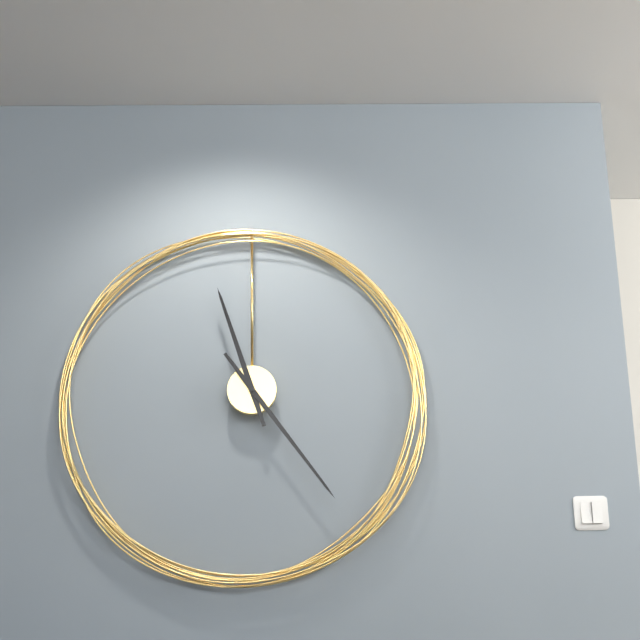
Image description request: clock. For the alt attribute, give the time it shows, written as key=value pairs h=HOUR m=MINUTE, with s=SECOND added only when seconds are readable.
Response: h=11 m=24
